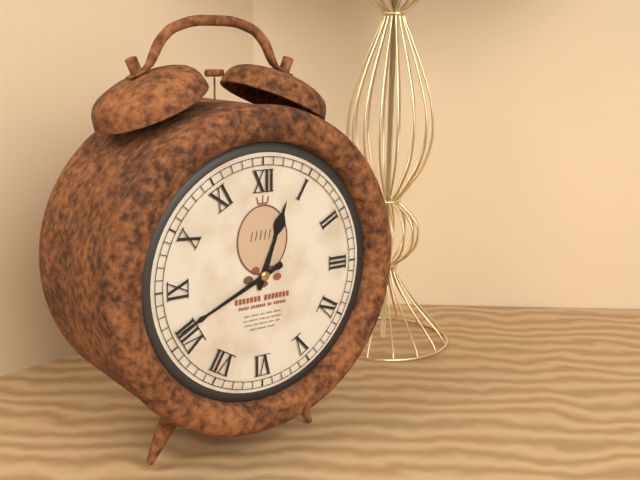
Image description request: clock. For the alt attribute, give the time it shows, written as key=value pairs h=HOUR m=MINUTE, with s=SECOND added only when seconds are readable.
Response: h=12 m=41
